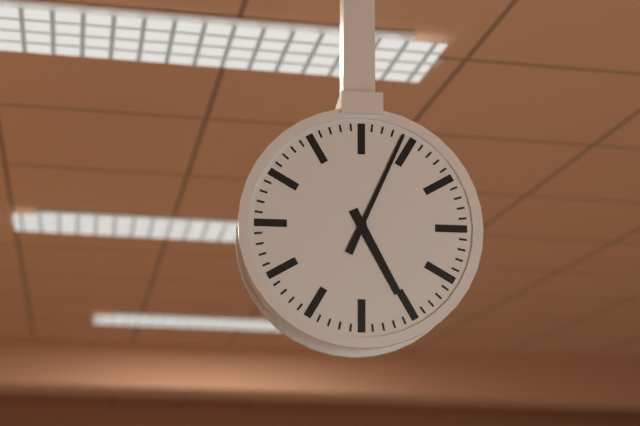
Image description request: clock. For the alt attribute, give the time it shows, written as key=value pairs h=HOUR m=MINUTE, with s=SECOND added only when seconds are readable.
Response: h=5 m=4
